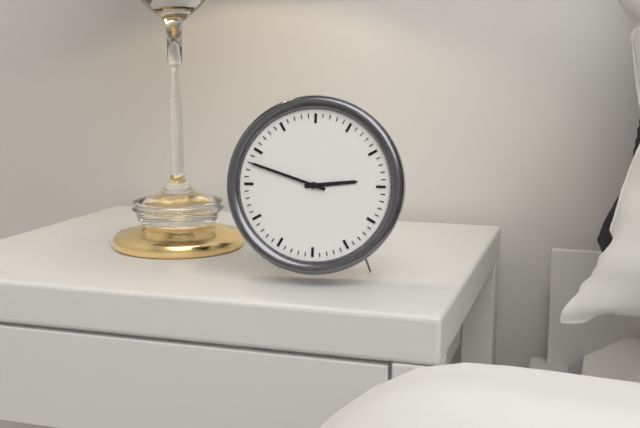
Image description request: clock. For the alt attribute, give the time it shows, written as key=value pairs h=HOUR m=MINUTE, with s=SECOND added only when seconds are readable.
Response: h=2 m=48
